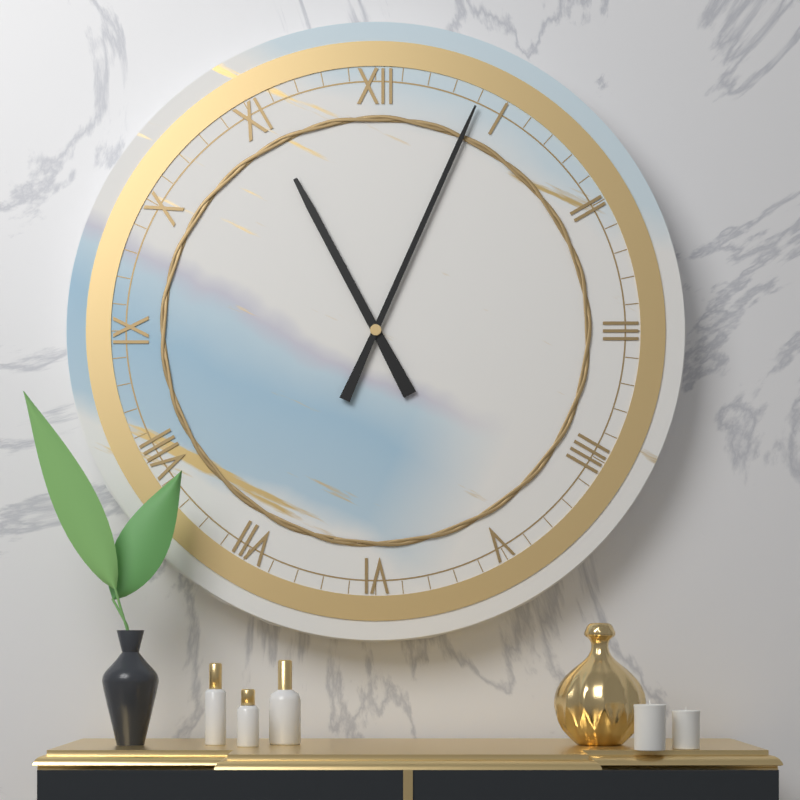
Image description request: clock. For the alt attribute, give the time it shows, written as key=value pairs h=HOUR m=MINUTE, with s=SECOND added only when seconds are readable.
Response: h=11 m=4
